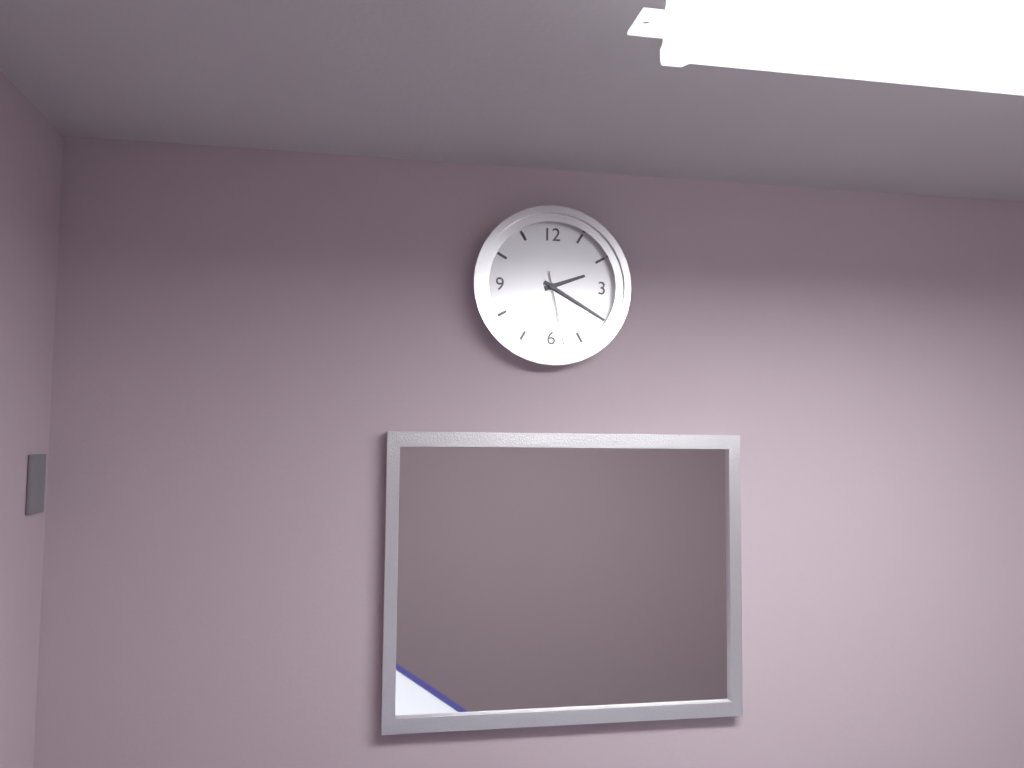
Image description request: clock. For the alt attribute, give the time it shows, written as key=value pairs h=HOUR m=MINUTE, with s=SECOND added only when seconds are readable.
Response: h=2 m=20 s=28
